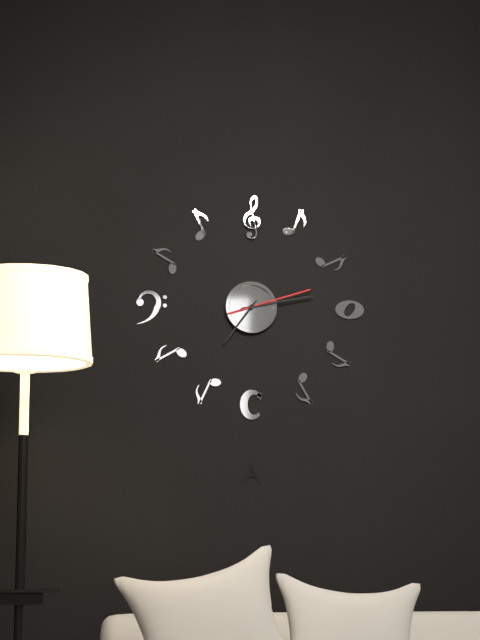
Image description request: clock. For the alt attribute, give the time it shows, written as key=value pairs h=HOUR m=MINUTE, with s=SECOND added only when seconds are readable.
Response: h=7 m=13 s=12
